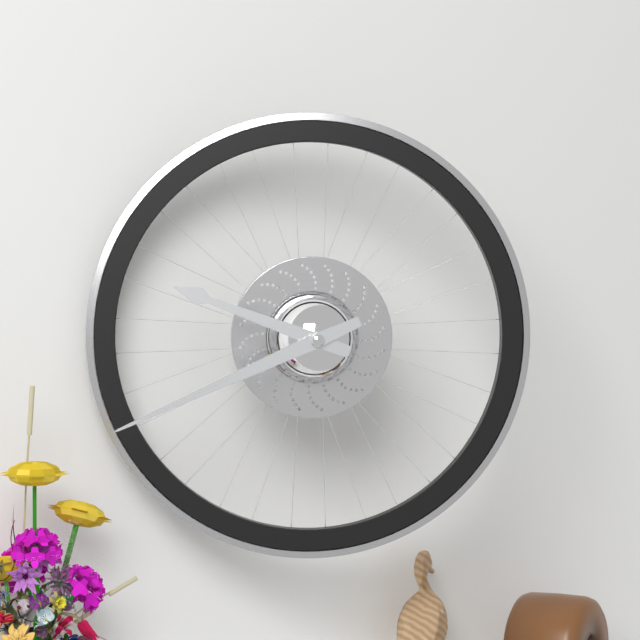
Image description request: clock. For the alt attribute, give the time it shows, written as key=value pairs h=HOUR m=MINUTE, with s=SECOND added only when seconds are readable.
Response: h=9 m=41
